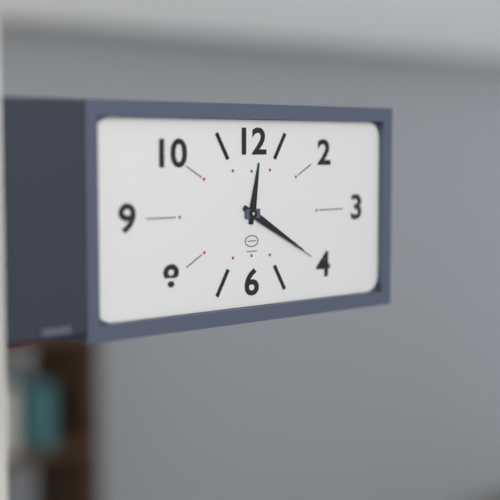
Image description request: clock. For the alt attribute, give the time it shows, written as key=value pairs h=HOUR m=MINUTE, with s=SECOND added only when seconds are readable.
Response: h=12 m=20
